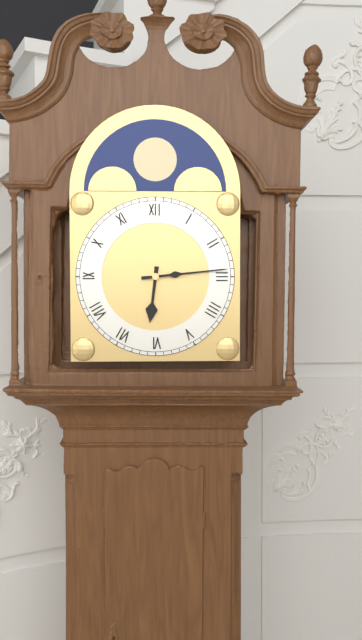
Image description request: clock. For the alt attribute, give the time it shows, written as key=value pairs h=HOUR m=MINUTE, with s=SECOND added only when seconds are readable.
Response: h=6 m=14
